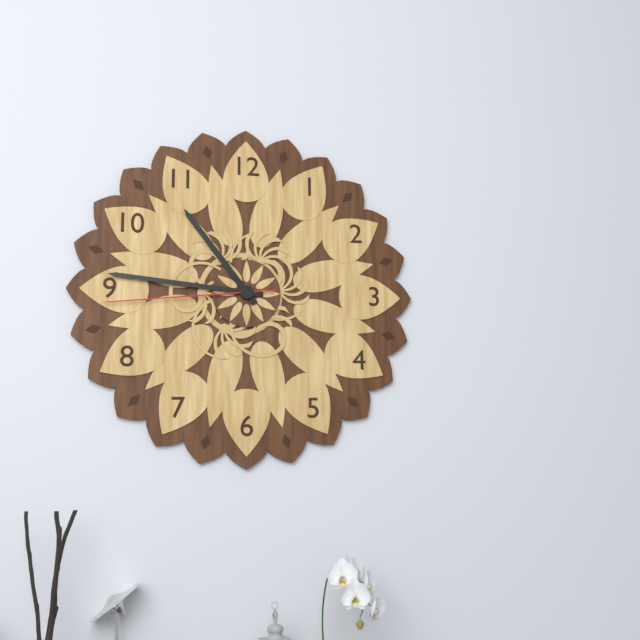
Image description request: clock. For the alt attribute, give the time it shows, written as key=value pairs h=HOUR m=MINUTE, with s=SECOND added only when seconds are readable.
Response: h=10 m=46 s=44
